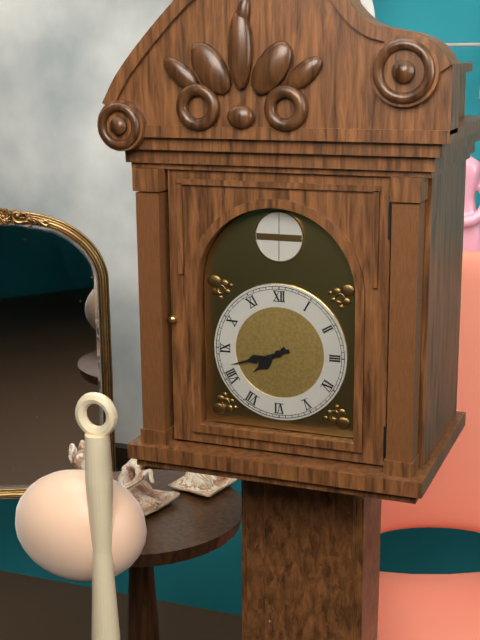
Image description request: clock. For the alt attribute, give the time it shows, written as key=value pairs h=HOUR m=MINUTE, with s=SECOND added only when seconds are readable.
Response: h=7 m=42
